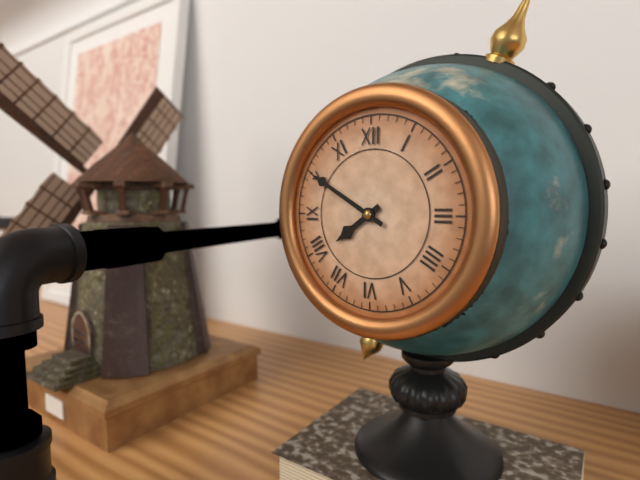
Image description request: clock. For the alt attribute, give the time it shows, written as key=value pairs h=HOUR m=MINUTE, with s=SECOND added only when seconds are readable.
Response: h=7 m=50
